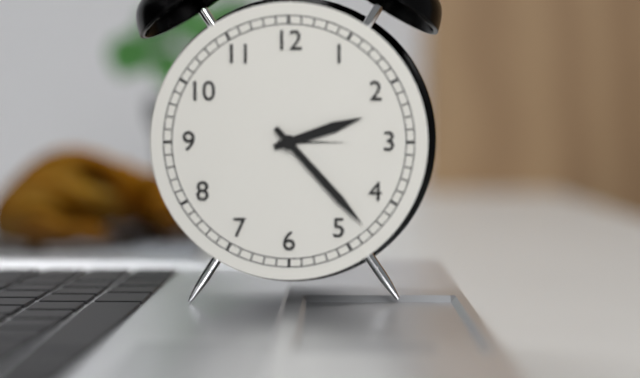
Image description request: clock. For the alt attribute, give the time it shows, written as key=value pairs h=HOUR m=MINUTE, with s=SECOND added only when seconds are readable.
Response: h=2 m=23
